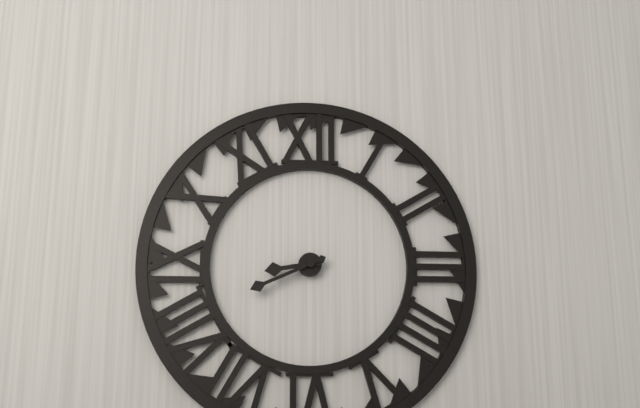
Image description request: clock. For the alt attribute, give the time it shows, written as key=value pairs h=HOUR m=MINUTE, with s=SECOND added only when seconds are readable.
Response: h=8 m=41
